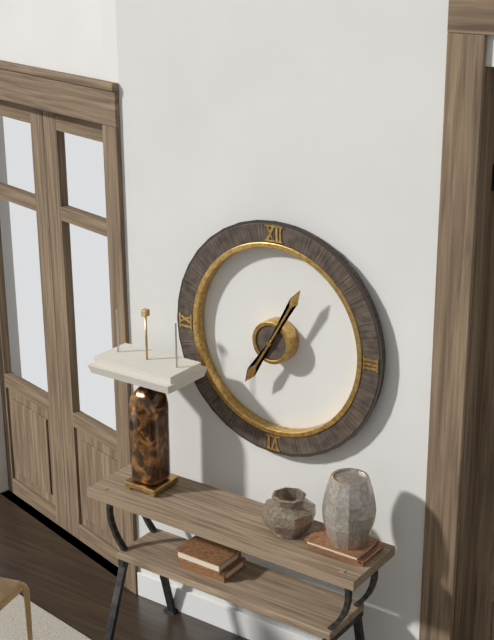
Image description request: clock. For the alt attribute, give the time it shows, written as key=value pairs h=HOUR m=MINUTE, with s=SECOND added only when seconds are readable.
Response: h=7 m=5
